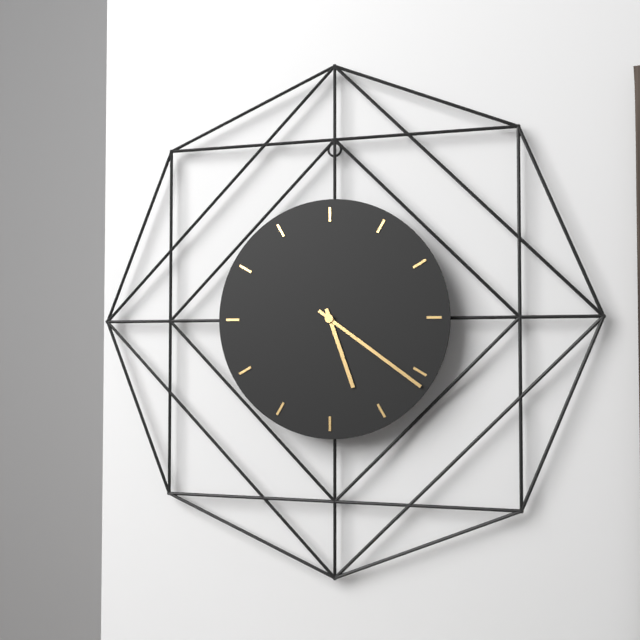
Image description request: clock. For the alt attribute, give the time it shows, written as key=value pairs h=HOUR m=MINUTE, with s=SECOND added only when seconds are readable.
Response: h=5 m=21
